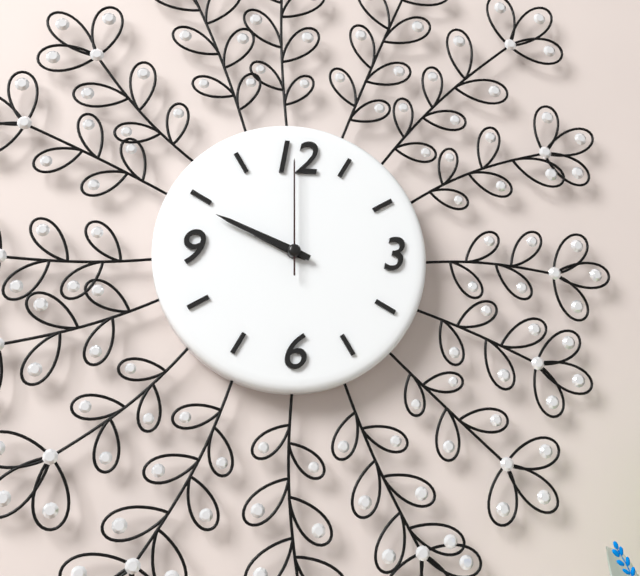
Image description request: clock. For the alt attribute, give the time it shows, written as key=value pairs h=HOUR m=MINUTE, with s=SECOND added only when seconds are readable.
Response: h=9 m=49 s=0
